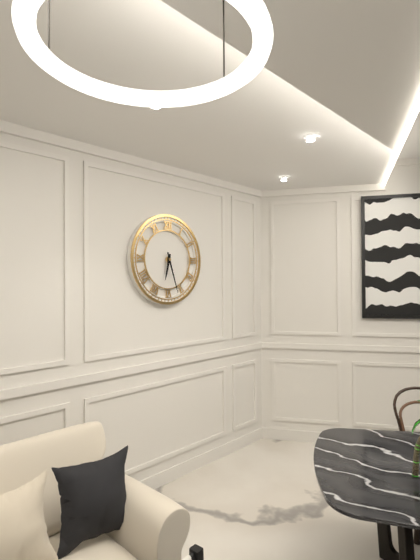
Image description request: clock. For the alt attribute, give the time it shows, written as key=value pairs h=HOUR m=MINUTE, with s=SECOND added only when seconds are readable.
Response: h=6 m=27
